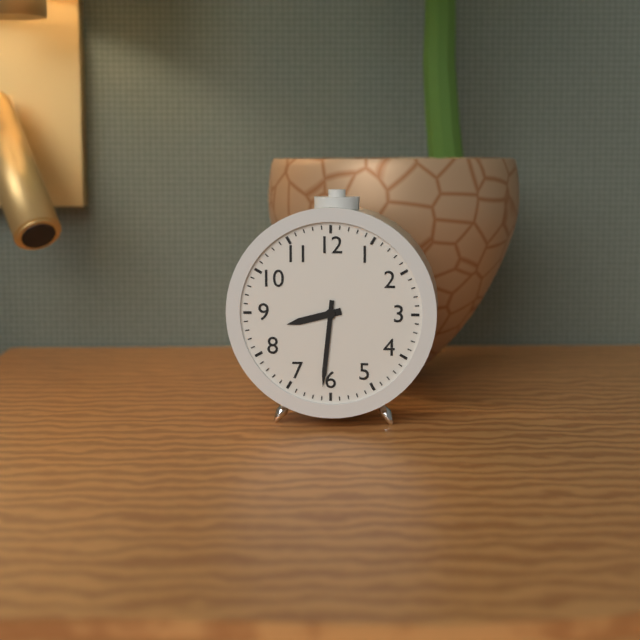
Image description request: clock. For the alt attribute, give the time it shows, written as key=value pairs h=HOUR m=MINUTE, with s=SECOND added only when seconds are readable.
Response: h=8 m=31
